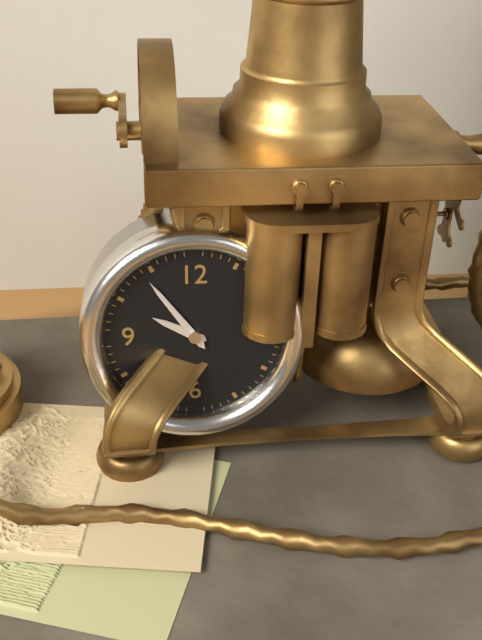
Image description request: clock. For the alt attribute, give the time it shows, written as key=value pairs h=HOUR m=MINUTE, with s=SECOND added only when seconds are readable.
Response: h=9 m=54
